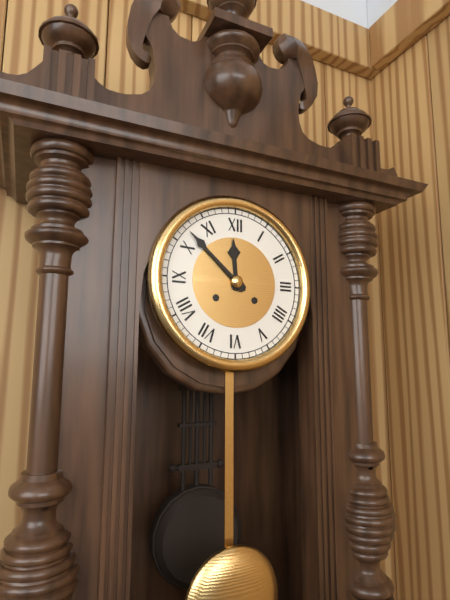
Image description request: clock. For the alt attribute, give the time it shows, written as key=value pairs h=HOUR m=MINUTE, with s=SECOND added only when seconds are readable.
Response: h=11 m=52
